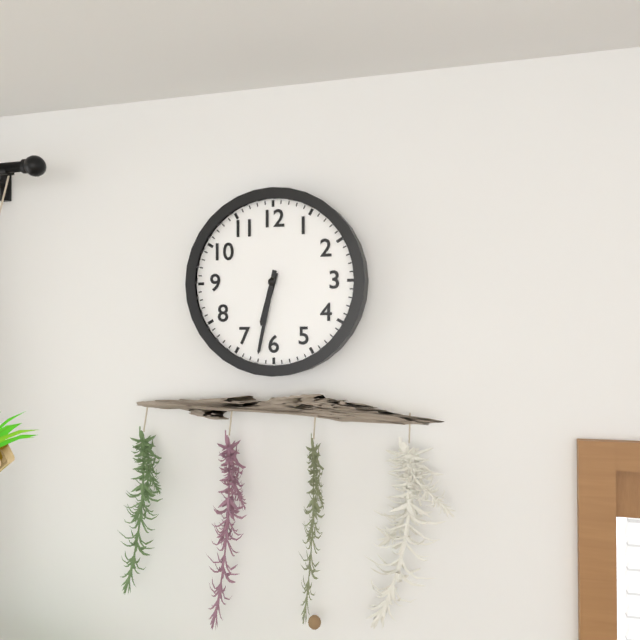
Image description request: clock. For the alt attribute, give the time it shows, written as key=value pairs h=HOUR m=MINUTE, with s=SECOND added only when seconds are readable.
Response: h=6 m=32
